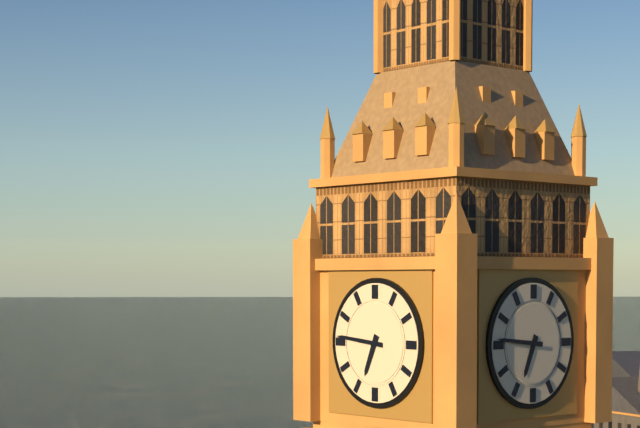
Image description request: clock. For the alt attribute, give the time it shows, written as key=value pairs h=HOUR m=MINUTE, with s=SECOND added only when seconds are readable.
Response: h=6 m=46
